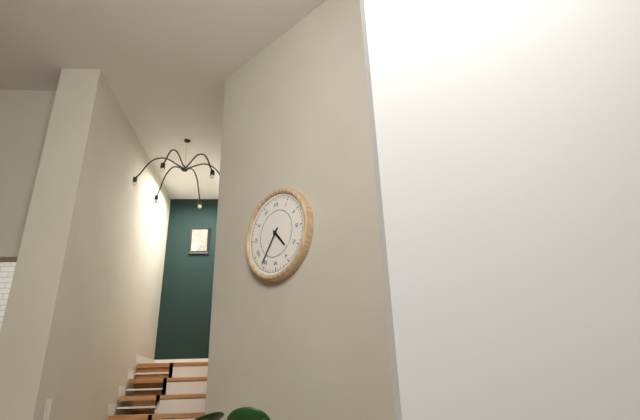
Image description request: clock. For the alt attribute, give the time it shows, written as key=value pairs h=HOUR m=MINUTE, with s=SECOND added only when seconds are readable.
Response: h=4 m=36
